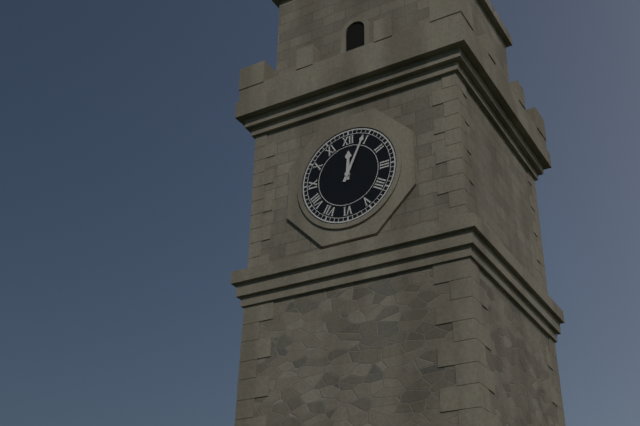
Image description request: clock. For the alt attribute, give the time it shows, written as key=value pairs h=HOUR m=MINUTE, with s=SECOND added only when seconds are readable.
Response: h=12 m=4
